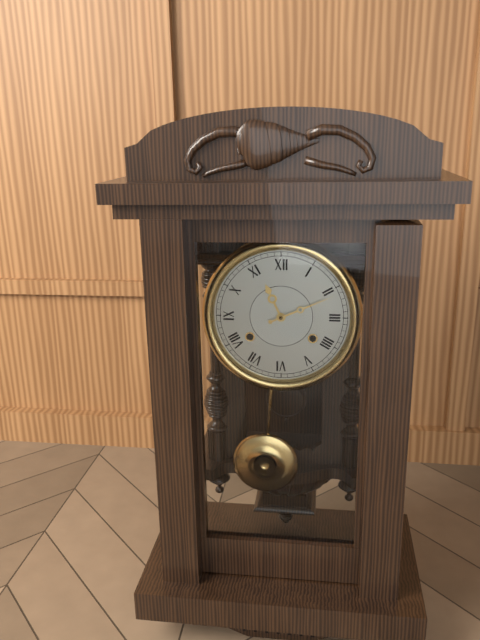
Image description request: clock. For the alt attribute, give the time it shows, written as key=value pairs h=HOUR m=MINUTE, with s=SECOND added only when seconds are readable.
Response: h=11 m=11
